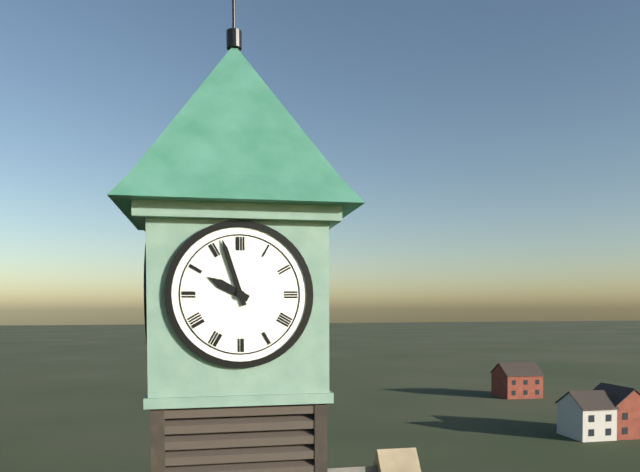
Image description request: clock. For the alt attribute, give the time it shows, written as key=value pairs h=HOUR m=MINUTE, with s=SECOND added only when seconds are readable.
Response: h=9 m=57
